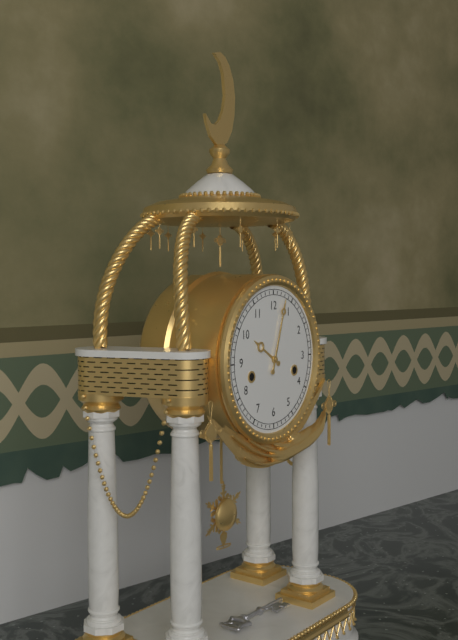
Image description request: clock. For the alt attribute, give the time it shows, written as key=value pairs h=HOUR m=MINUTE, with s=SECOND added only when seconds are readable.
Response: h=10 m=3
